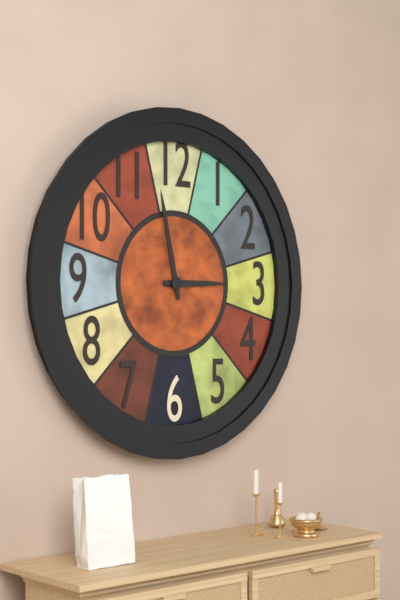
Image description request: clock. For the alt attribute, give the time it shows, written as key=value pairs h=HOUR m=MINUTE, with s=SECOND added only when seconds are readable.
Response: h=2 m=58
